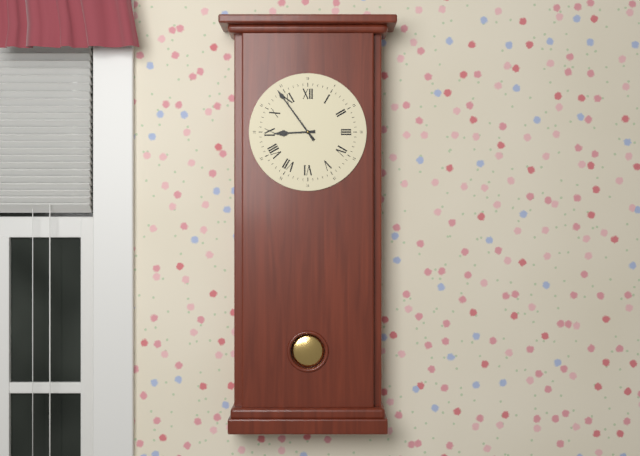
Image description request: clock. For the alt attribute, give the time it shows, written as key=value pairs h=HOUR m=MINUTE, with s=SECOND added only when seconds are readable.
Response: h=8 m=54
